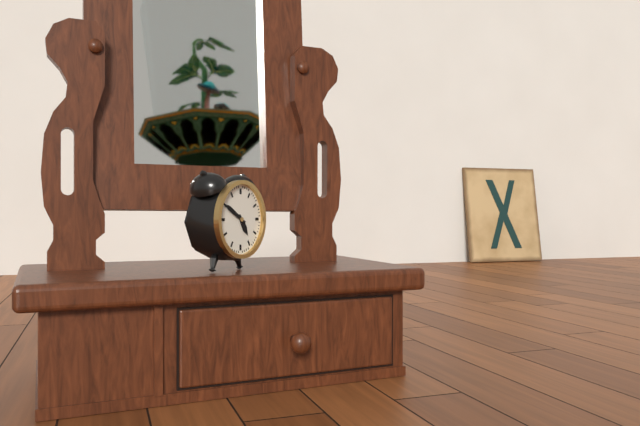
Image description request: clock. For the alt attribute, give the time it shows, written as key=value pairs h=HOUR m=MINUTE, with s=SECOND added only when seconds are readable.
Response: h=4 m=50
